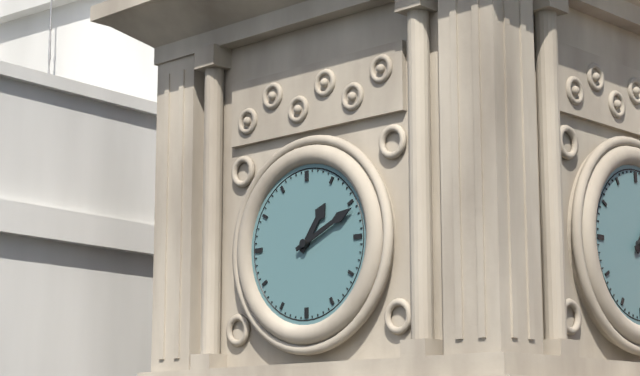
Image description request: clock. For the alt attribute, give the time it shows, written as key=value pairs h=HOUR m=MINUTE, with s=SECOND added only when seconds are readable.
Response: h=1 m=11
